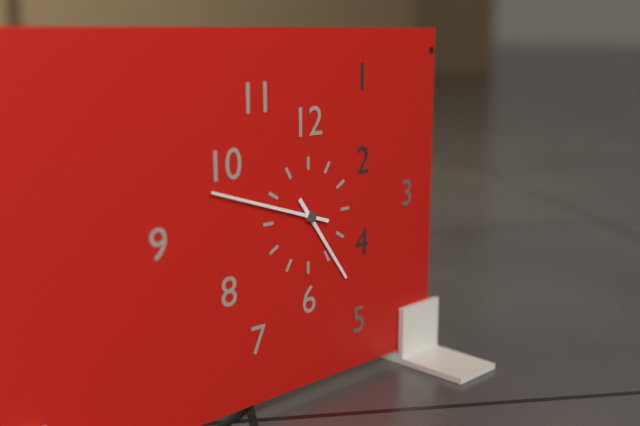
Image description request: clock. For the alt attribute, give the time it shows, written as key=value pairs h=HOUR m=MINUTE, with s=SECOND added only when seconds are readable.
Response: h=4 m=48
